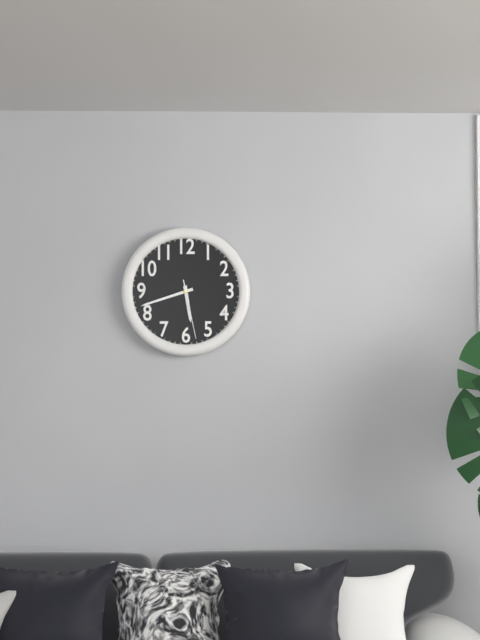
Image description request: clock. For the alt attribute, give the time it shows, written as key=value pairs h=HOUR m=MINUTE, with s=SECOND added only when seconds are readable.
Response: h=5 m=42 s=28
